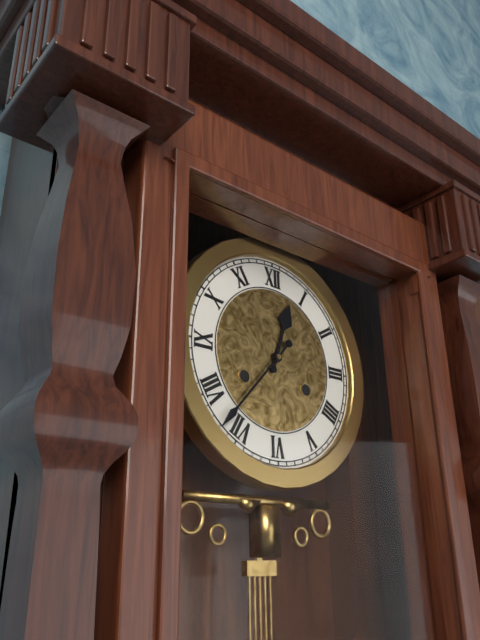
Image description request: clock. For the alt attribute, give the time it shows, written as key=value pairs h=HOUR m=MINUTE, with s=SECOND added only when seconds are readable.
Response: h=12 m=37
